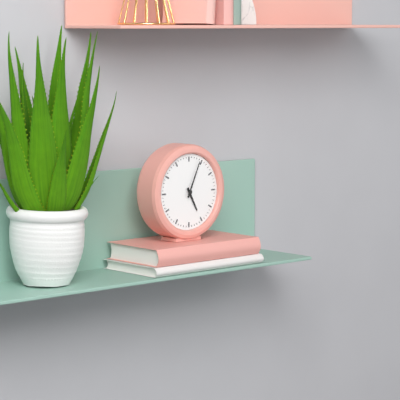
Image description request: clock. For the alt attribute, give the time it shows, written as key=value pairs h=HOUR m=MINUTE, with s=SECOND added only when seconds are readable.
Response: h=5 m=4
